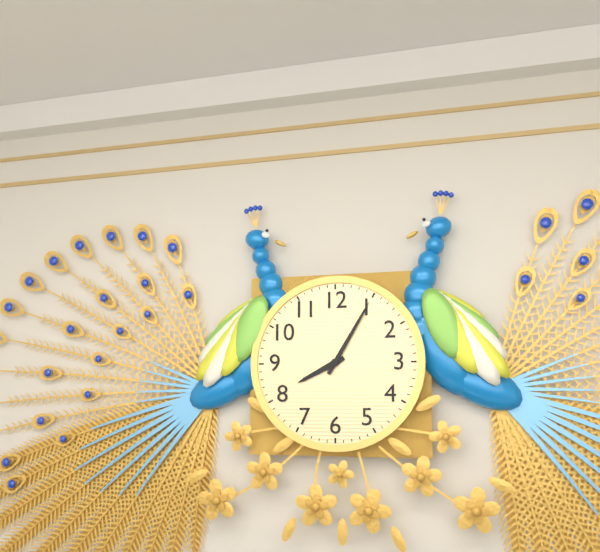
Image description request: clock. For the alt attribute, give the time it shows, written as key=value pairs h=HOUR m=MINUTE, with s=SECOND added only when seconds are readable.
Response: h=8 m=5
